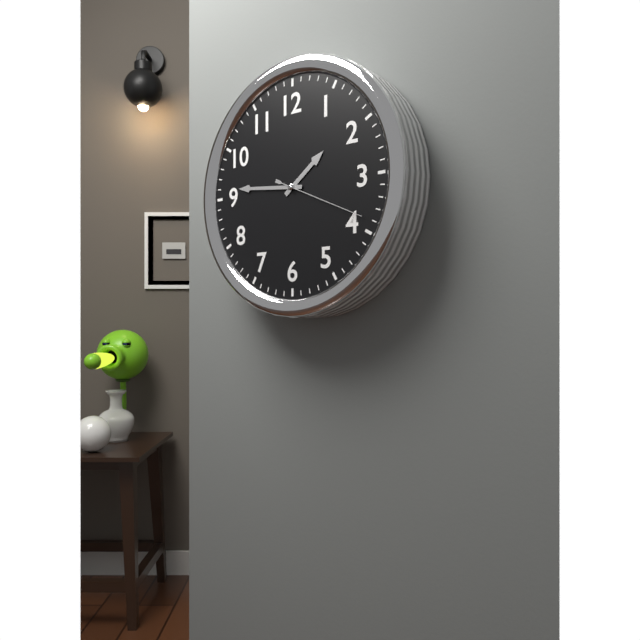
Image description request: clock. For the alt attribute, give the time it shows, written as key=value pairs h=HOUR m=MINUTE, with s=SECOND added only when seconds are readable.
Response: h=1 m=46 s=19
